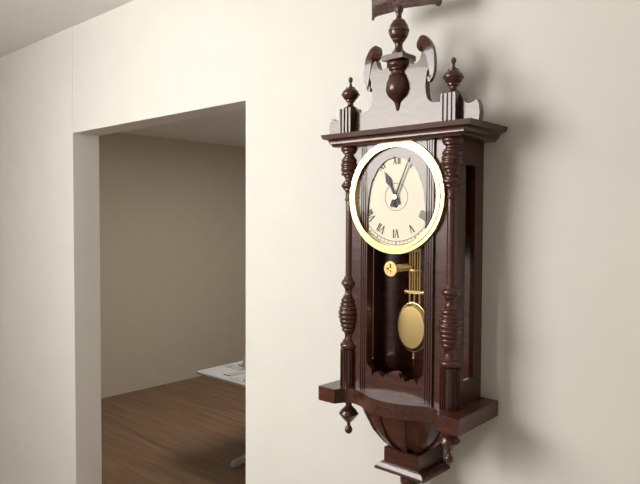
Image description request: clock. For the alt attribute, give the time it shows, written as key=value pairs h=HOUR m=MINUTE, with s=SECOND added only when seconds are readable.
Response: h=11 m=4
